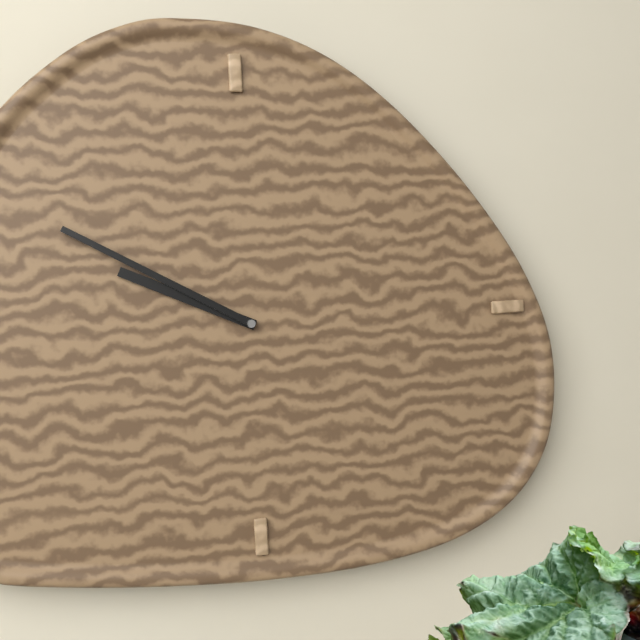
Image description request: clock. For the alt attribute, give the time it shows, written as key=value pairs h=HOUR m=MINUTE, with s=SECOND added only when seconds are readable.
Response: h=9 m=50
